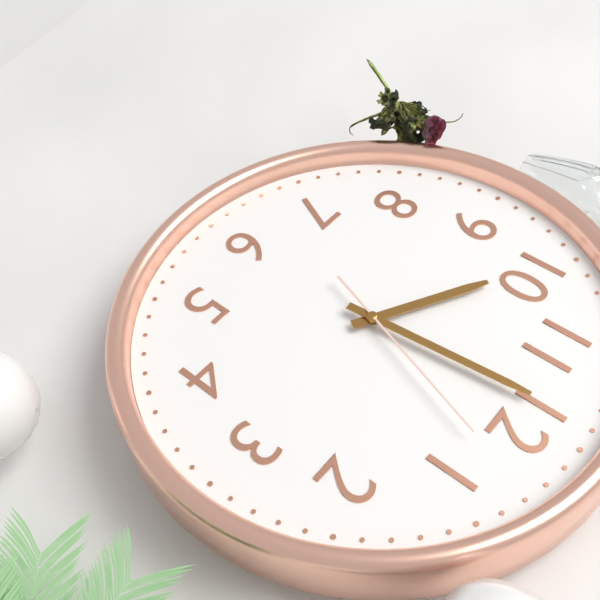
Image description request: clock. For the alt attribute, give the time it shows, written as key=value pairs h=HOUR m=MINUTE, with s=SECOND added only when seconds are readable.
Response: h=9 m=59 s=3
